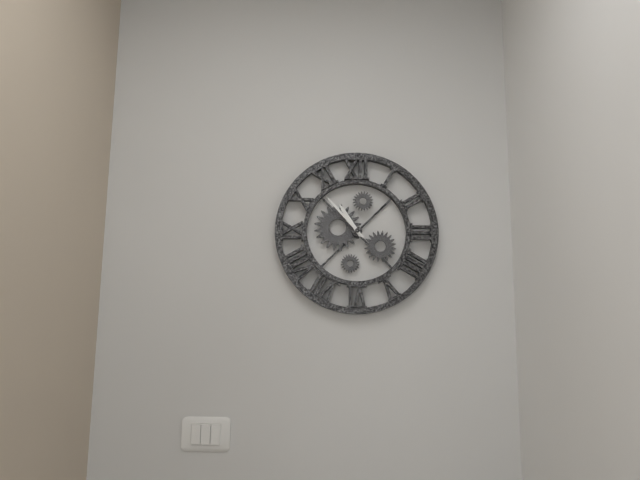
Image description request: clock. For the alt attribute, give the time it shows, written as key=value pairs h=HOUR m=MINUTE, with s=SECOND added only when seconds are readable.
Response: h=10 m=53
